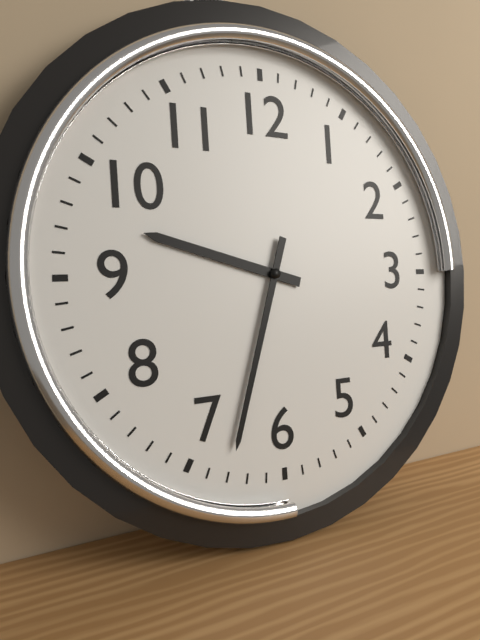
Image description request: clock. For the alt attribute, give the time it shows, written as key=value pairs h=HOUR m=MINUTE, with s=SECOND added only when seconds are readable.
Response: h=9 m=33
